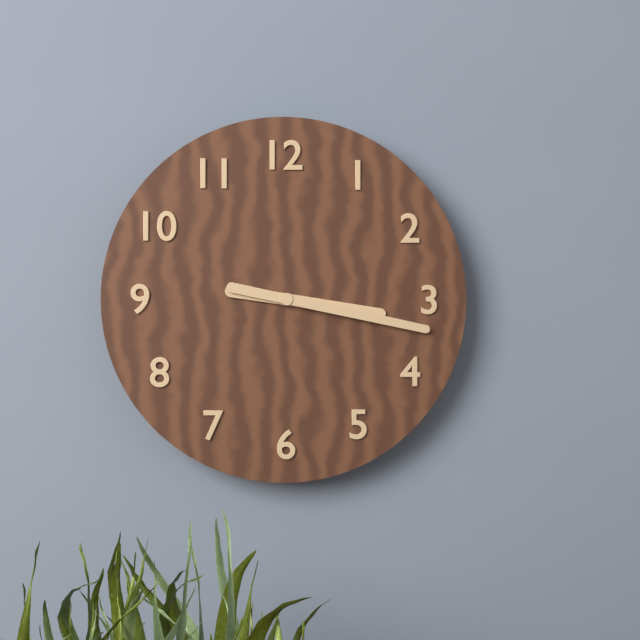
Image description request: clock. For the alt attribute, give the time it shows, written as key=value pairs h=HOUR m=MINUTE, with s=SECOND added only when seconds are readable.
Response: h=3 m=17
